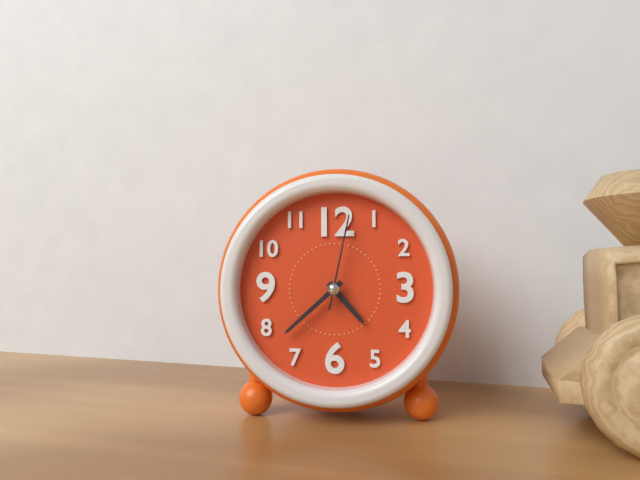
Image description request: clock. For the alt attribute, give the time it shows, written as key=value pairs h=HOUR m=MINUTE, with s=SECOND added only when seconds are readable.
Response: h=4 m=38 s=2
